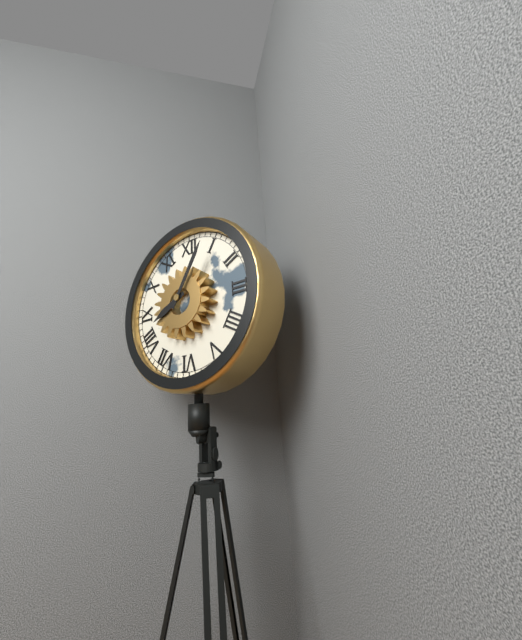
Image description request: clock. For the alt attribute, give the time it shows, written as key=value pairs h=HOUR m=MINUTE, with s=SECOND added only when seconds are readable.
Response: h=8 m=5
